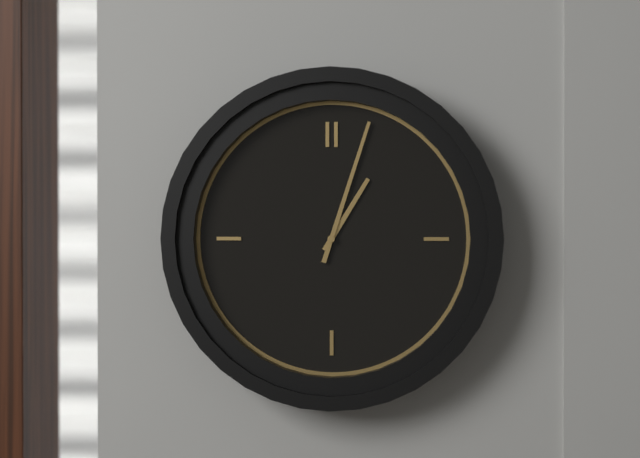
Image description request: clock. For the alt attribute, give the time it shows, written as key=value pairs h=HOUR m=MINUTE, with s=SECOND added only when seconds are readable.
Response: h=1 m=3
